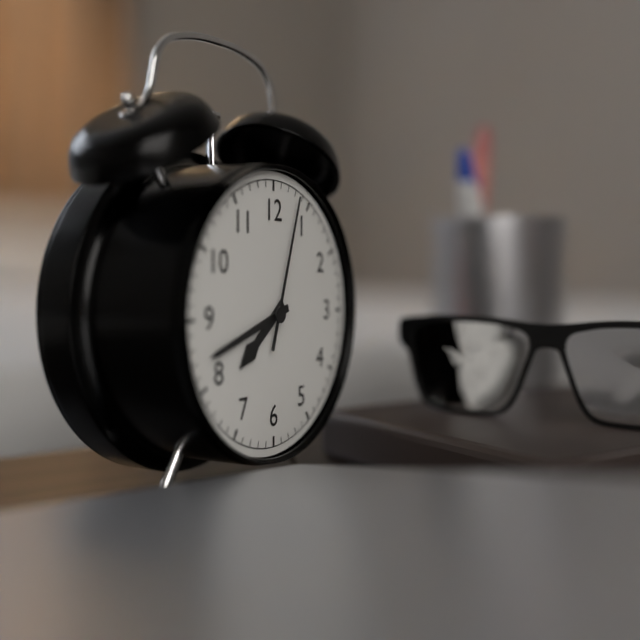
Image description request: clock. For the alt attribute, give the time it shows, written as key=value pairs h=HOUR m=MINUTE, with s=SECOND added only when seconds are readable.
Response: h=7 m=42 s=3
